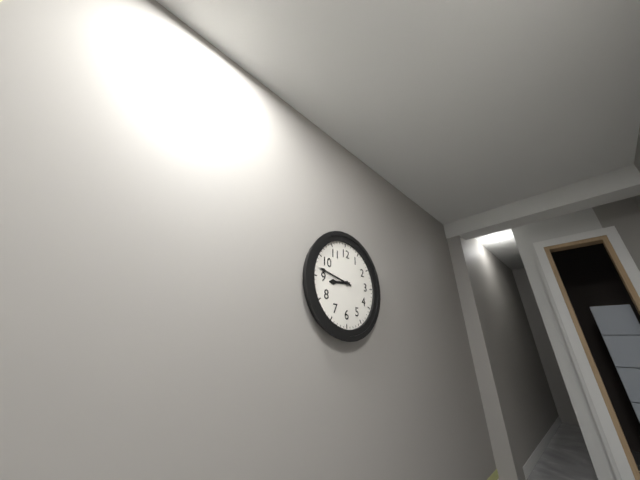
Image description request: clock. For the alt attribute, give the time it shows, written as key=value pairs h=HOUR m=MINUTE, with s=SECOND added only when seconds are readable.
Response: h=8 m=47
